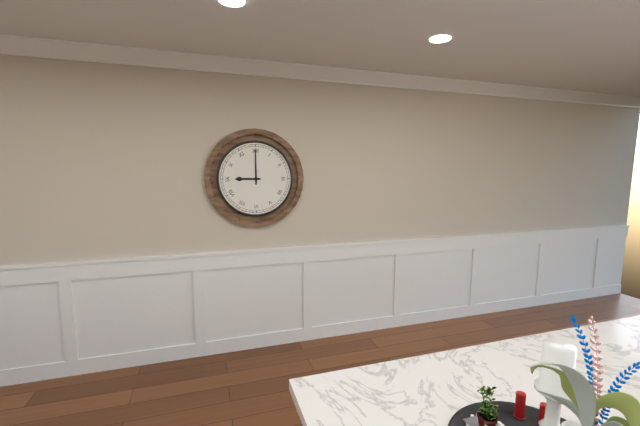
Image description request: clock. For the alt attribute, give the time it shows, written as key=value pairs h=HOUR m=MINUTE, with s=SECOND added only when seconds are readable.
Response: h=9 m=0
